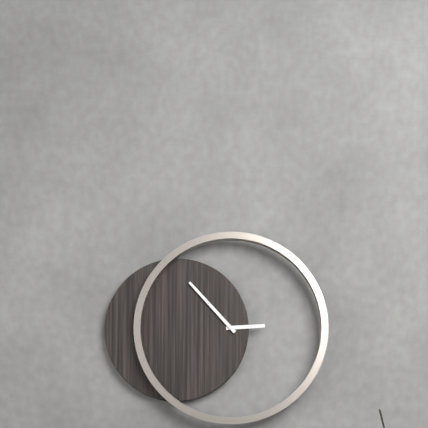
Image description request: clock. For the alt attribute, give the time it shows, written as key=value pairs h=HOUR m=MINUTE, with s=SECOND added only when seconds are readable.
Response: h=2 m=53
